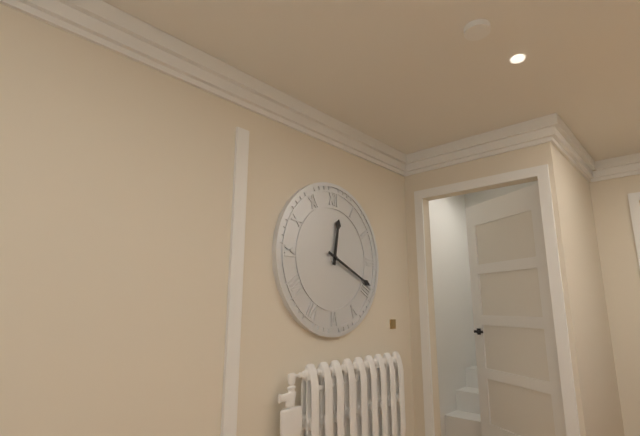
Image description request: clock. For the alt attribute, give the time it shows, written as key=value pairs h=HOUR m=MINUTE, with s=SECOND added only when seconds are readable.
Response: h=12 m=19
